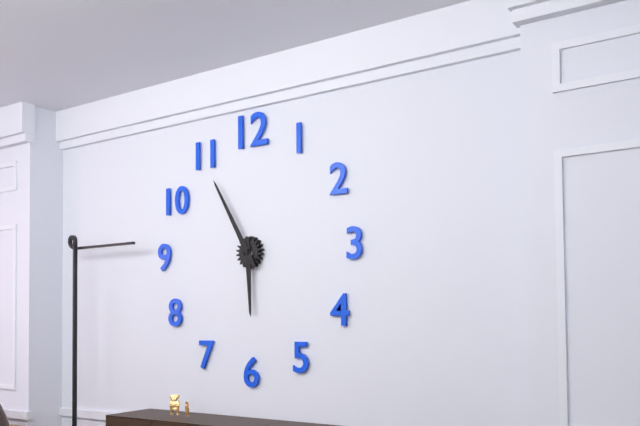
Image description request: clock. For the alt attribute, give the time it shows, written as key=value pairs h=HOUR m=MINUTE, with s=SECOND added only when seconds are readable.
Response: h=5 m=55
